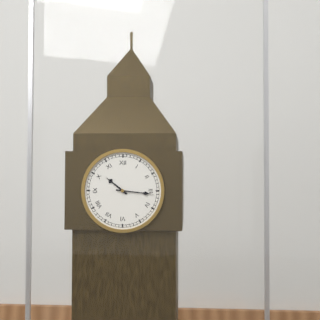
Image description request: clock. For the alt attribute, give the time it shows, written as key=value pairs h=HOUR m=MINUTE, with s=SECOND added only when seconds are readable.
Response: h=10 m=16
